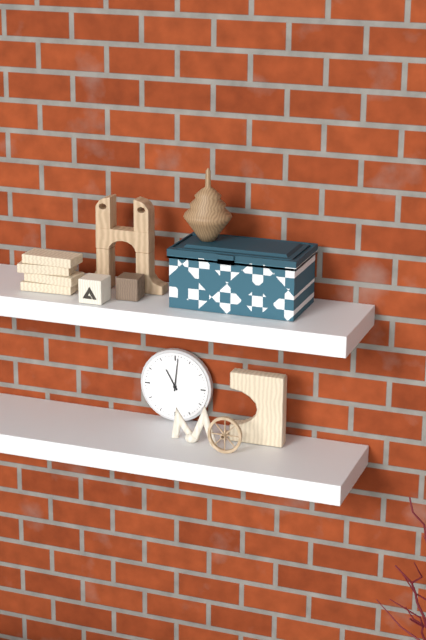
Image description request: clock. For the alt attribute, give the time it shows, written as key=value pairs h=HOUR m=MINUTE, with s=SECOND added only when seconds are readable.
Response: h=11 m=1
